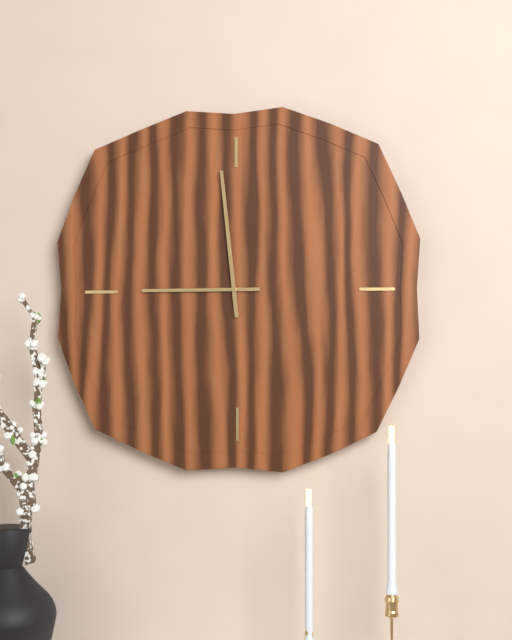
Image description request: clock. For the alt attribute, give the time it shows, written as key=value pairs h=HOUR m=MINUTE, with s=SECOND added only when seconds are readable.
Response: h=8 m=59
